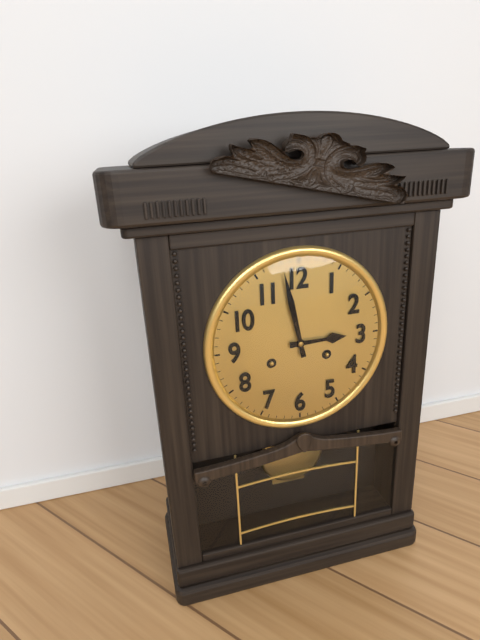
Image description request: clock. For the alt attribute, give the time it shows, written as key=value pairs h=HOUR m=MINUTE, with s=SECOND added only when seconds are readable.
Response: h=2 m=58
